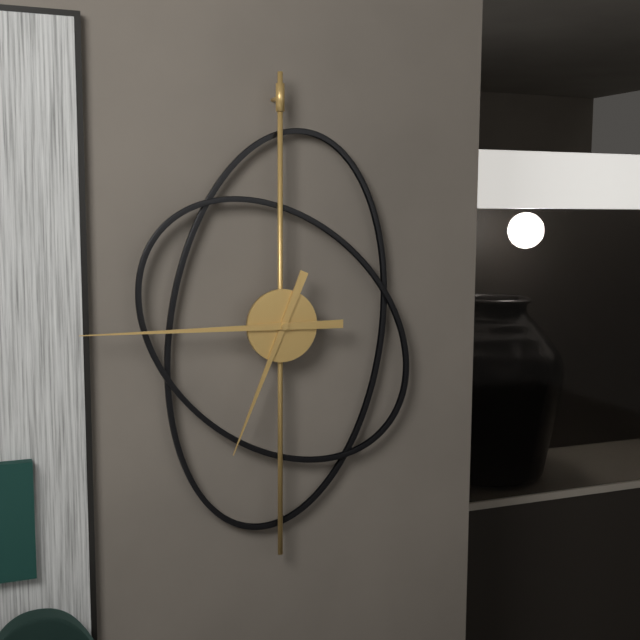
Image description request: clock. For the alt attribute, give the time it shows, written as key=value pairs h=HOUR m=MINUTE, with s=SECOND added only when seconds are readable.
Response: h=6 m=45
